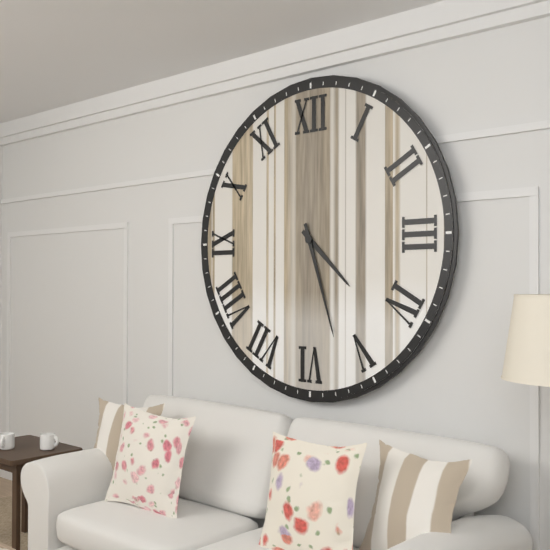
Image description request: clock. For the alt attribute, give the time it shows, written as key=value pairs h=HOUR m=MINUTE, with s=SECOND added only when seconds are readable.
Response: h=4 m=27
